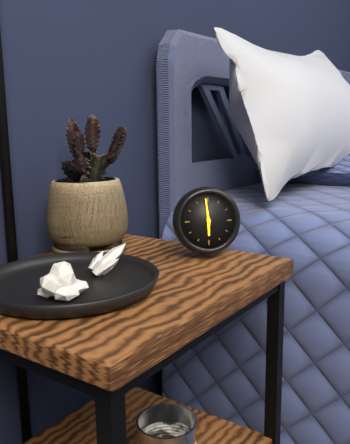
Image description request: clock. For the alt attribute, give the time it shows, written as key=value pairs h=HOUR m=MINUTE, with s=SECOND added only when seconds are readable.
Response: h=5 m=59
